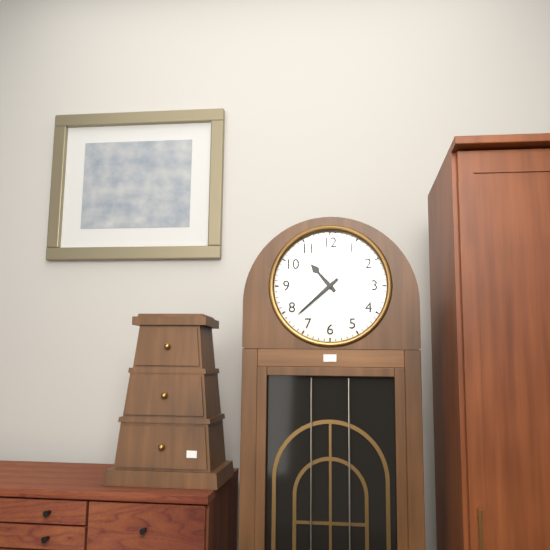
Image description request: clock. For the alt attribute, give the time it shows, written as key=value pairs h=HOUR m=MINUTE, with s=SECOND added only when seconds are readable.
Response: h=10 m=38
